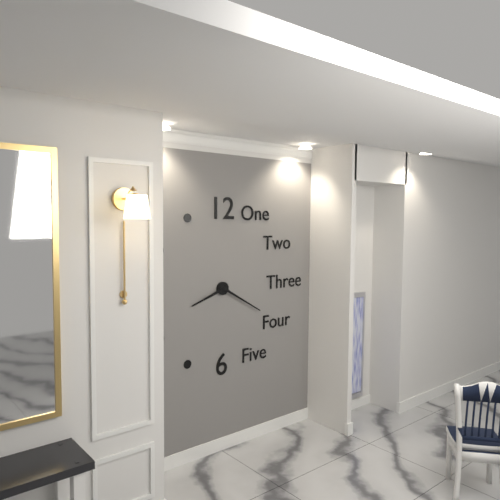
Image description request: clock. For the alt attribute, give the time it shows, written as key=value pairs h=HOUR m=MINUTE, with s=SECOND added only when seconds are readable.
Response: h=8 m=20
